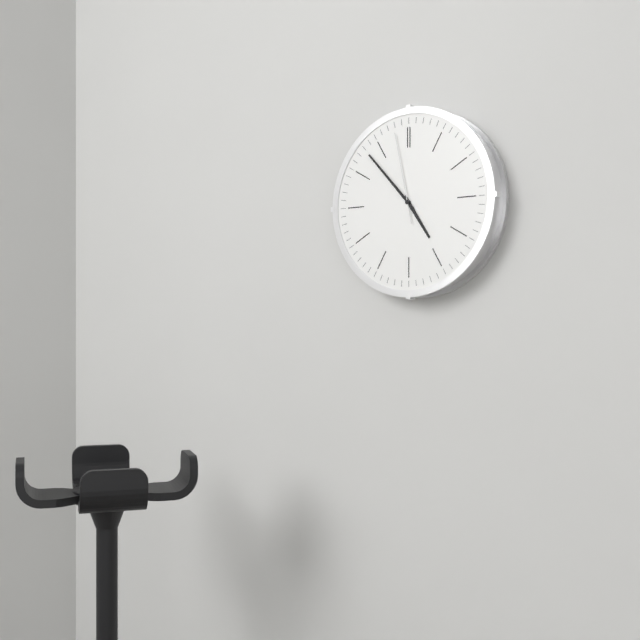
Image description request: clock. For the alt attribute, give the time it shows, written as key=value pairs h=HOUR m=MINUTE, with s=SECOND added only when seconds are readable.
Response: h=4 m=53 s=58
